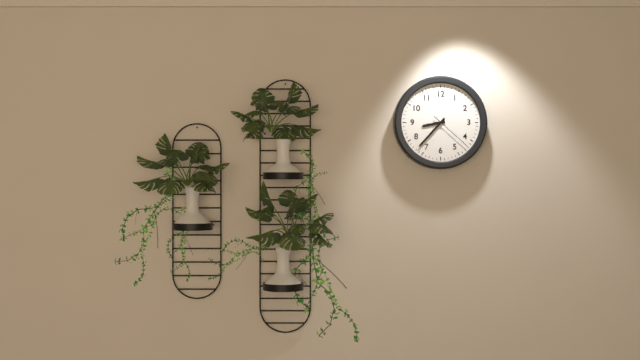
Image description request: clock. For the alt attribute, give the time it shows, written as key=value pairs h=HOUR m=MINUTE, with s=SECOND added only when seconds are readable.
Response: h=8 m=37
